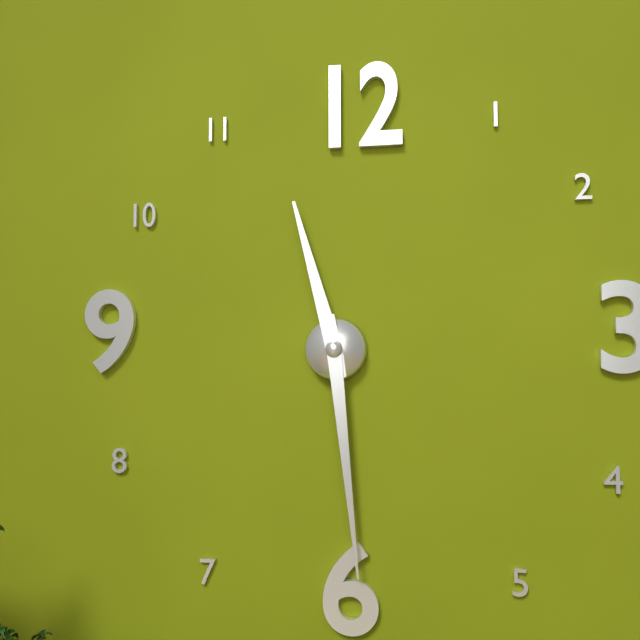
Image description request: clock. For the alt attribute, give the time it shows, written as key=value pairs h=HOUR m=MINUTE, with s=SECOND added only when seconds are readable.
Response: h=11 m=29
